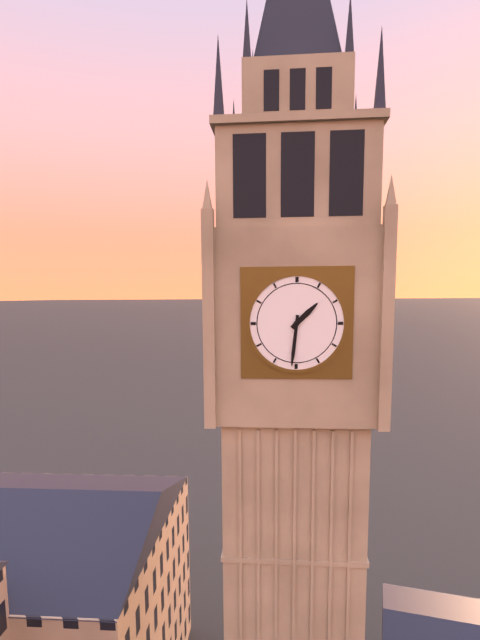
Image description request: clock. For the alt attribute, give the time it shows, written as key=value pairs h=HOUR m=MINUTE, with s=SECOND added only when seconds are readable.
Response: h=1 m=31
